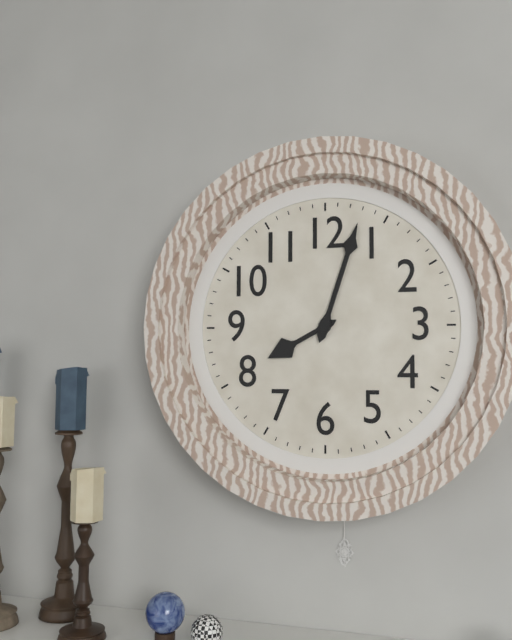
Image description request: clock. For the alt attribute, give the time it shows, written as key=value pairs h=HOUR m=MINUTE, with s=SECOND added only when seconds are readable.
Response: h=8 m=3
